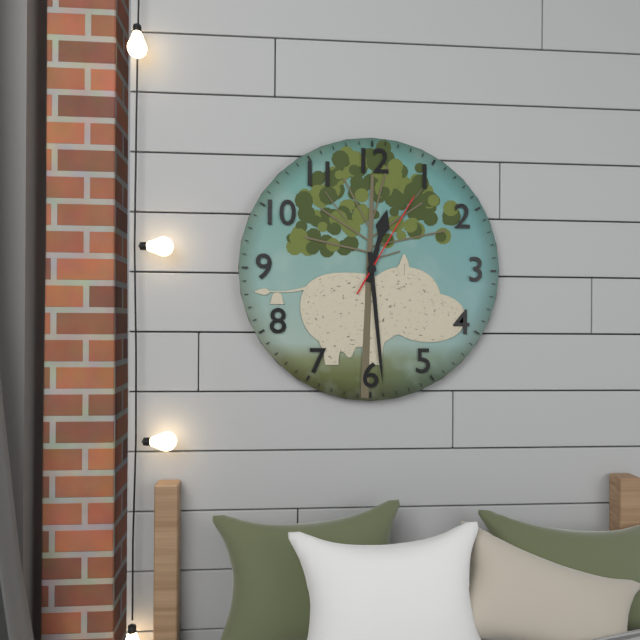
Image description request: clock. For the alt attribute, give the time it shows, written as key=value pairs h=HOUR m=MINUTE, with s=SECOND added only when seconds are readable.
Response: h=12 m=29 s=5
